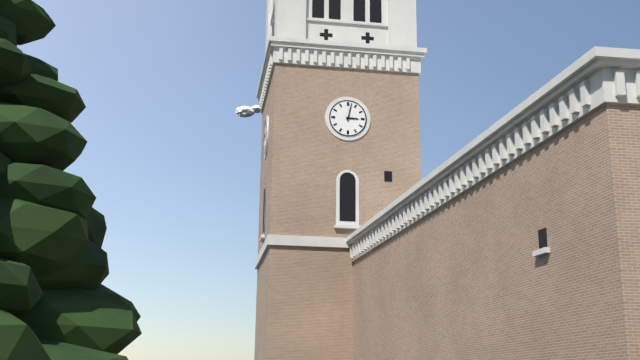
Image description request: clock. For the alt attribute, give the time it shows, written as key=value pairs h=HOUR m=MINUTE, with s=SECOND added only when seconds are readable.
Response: h=3 m=2
